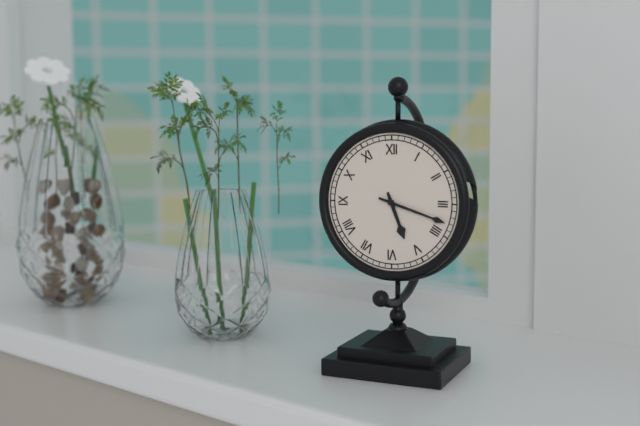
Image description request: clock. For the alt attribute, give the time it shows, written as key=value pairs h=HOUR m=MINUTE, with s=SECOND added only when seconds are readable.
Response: h=5 m=18
